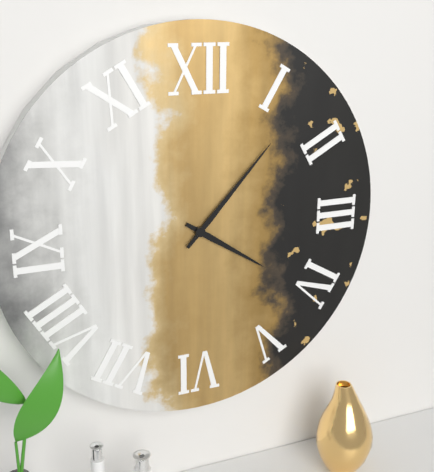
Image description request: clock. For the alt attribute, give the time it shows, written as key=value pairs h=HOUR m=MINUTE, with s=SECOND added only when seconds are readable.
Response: h=4 m=7
